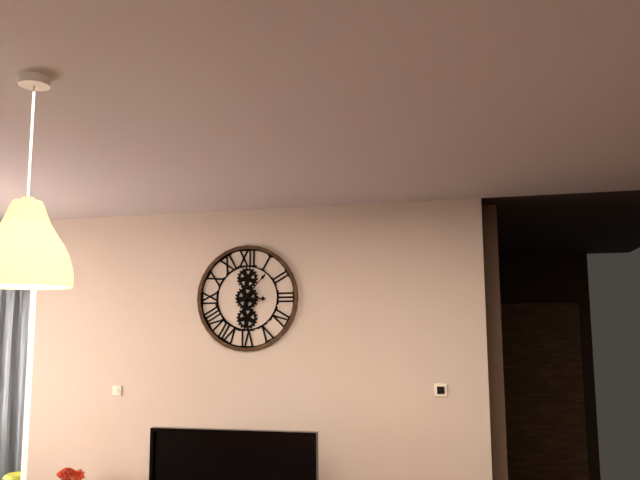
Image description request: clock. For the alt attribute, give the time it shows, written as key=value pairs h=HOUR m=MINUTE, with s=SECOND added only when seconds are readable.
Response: h=3 m=7
